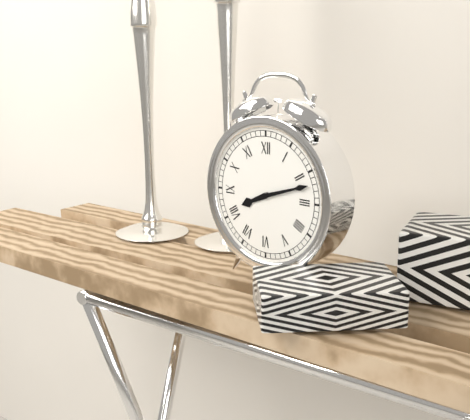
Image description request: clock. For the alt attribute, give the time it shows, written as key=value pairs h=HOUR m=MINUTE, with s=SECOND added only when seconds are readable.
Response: h=8 m=12
